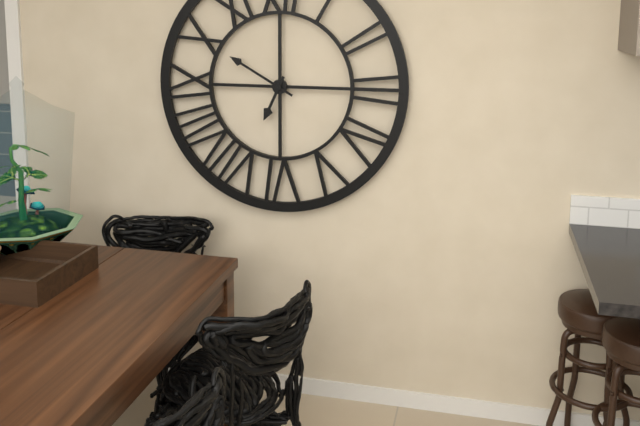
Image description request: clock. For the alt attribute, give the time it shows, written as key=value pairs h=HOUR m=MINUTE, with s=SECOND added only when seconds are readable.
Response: h=6 m=50
